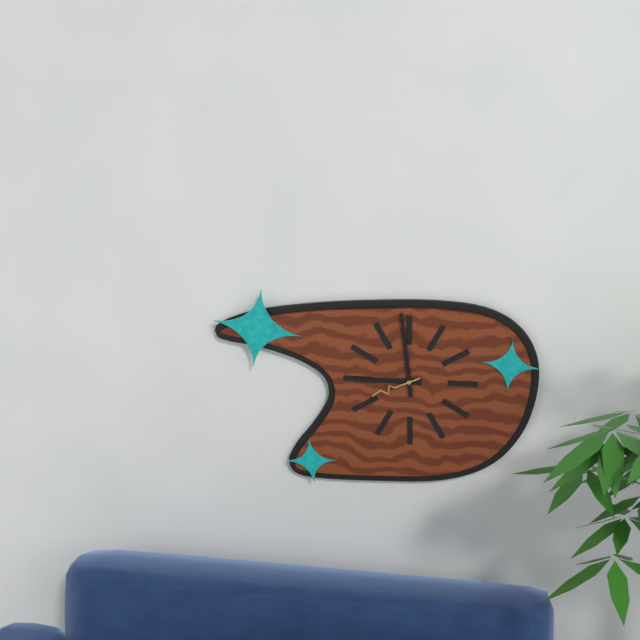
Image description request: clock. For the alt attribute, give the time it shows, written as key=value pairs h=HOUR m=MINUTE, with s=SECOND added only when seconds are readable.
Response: h=8 m=59 s=41
